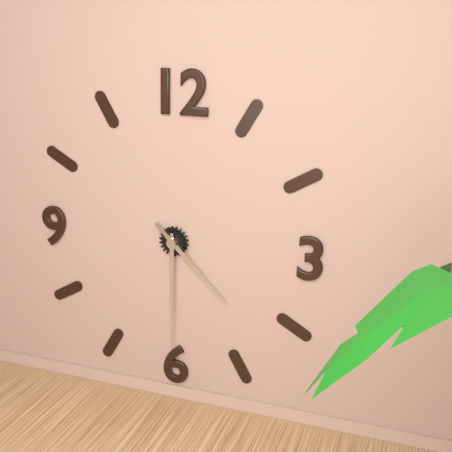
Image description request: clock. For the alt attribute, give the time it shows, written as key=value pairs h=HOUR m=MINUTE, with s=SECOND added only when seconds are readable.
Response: h=4 m=30
